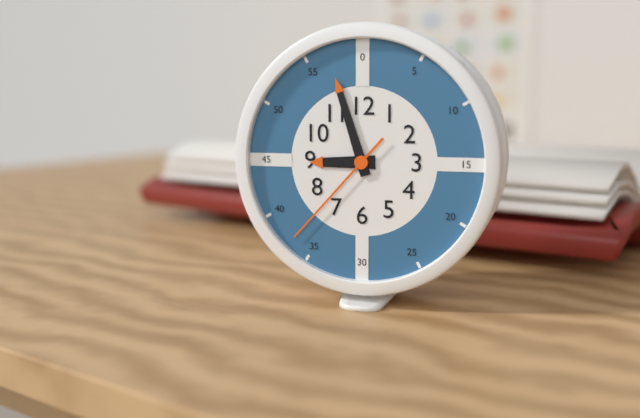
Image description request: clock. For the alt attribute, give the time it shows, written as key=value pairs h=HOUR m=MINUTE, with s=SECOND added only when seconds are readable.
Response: h=8 m=57 s=37
